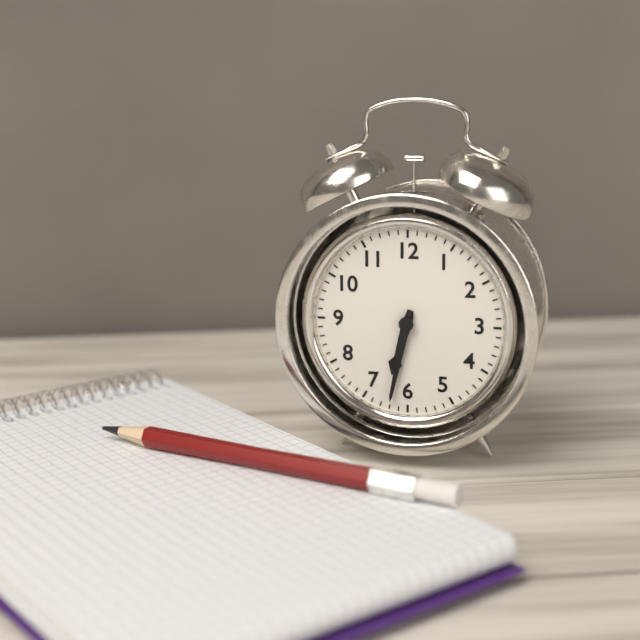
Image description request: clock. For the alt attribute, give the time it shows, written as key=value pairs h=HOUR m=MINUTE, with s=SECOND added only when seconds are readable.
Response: h=6 m=32
